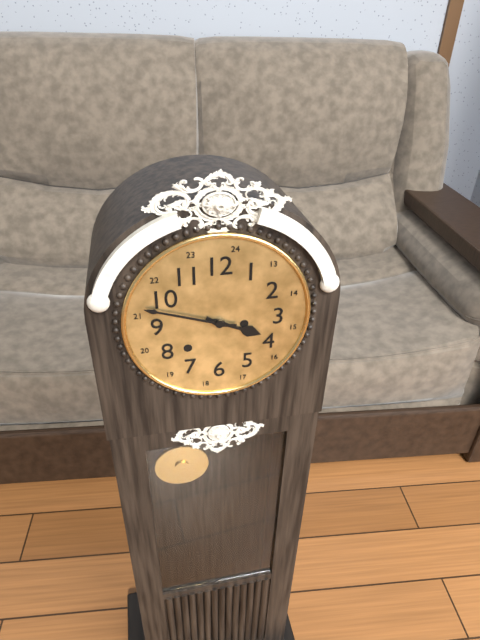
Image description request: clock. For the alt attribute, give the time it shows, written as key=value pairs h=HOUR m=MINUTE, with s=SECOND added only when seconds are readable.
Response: h=3 m=48
